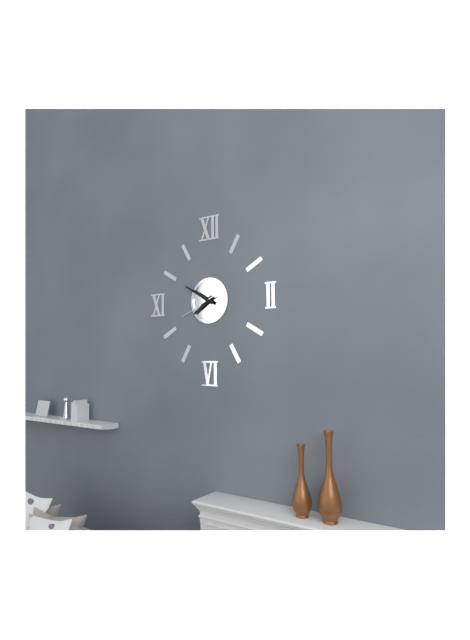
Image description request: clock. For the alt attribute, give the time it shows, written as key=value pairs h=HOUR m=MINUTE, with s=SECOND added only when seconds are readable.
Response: h=7 m=50
